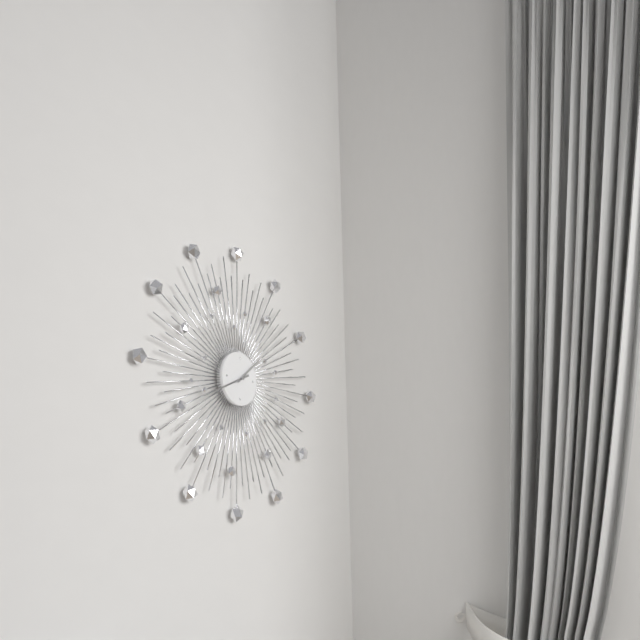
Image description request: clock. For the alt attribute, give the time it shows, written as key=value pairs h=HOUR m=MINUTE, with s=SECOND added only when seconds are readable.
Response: h=1 m=41
